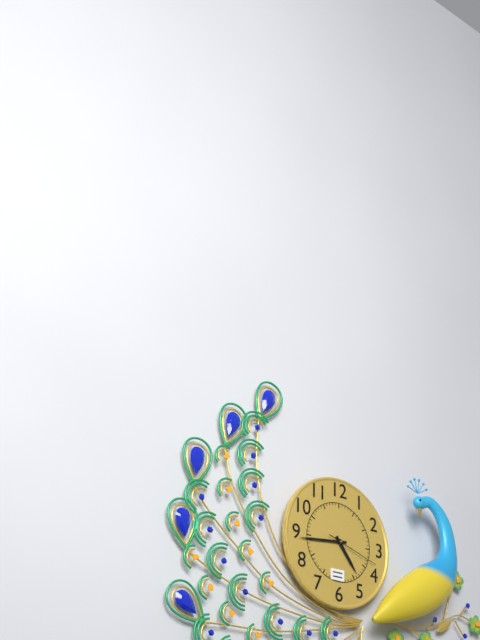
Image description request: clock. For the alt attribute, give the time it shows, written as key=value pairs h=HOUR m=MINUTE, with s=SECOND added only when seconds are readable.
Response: h=4 m=44 s=18
